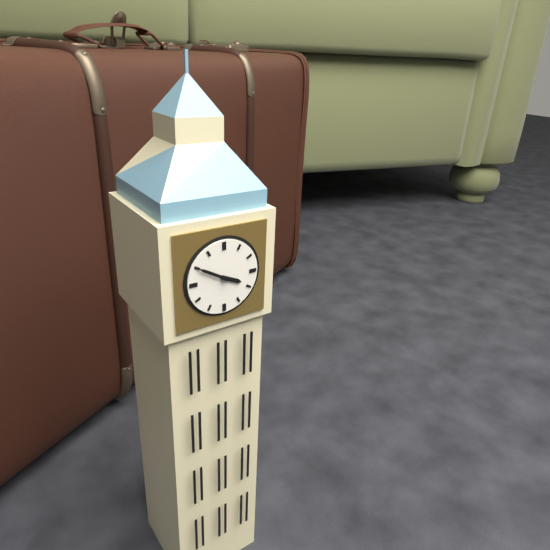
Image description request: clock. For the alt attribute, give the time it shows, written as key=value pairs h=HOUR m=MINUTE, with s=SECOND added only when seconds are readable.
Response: h=3 m=50
